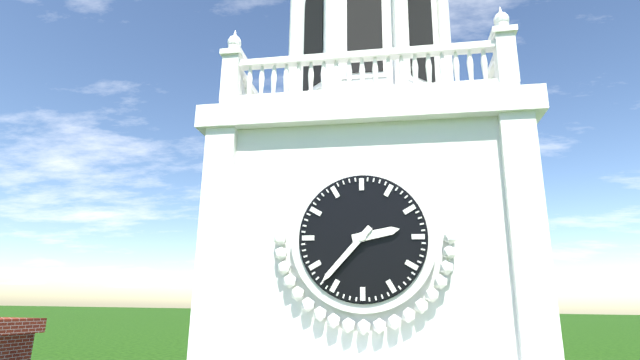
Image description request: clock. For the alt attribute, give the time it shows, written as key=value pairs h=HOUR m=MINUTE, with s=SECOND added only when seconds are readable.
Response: h=2 m=37
